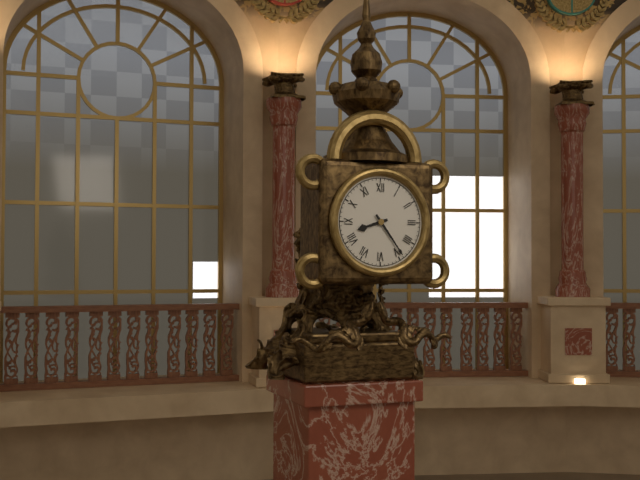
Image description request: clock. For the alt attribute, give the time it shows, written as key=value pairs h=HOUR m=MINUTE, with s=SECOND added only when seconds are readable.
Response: h=8 m=24
